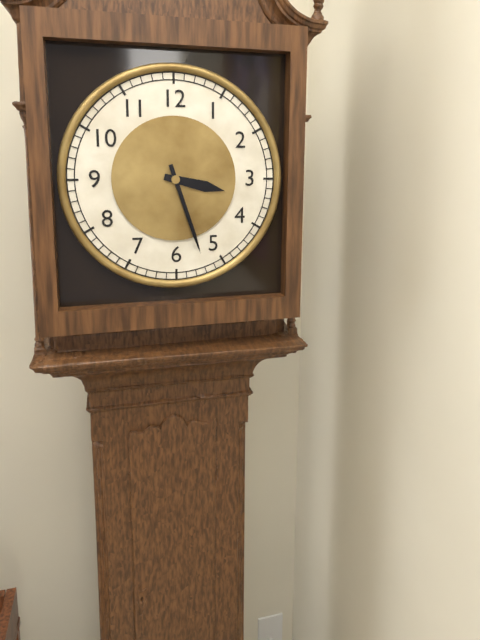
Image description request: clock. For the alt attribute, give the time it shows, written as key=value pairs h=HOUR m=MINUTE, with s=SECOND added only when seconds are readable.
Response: h=3 m=27
